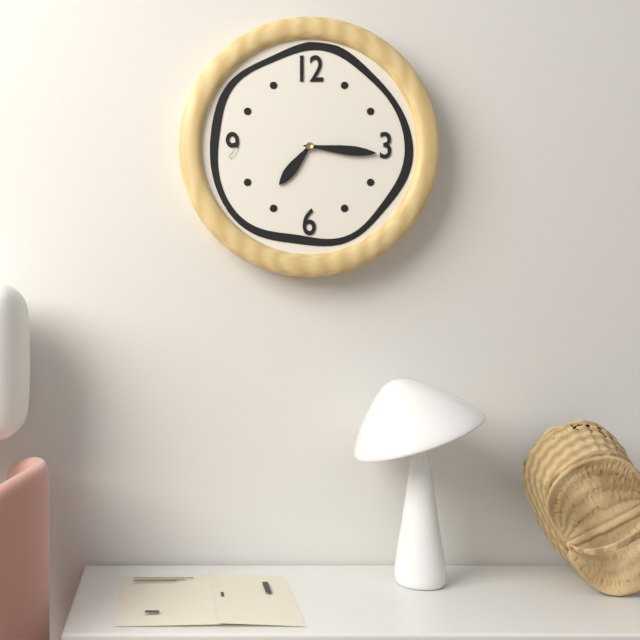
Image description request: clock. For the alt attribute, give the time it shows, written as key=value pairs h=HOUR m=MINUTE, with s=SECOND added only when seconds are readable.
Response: h=7 m=16
